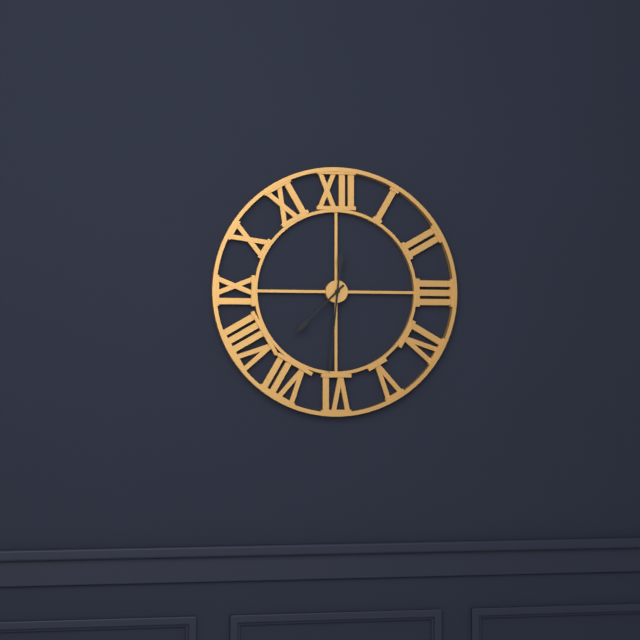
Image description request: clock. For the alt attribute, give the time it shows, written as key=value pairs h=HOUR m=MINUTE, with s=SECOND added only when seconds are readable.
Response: h=7 m=31
